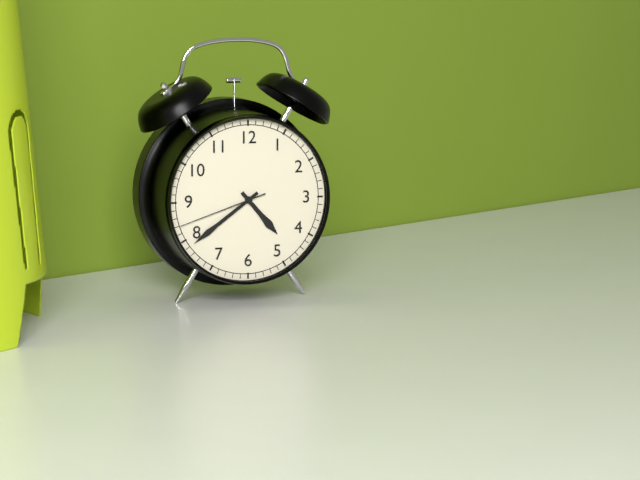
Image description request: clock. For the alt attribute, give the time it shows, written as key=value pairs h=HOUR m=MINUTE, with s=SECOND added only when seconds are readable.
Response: h=4 m=39 s=42
